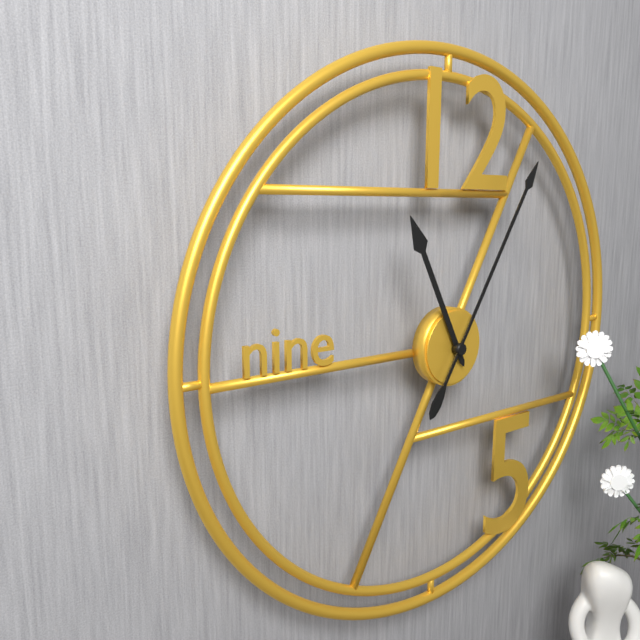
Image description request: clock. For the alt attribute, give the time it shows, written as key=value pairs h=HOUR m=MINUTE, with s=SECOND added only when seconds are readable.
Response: h=11 m=5
